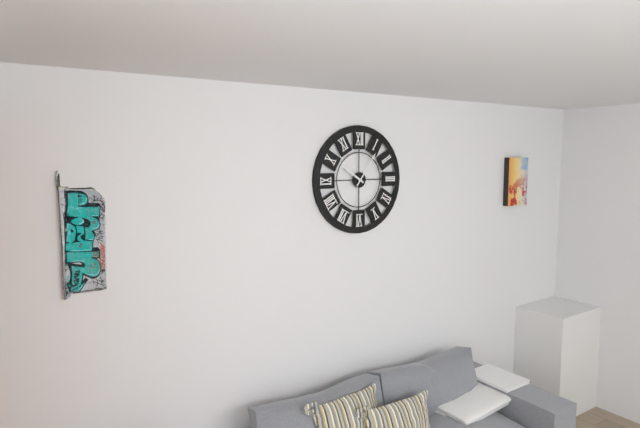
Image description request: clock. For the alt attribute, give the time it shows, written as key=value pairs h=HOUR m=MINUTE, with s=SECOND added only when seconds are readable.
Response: h=10 m=6
